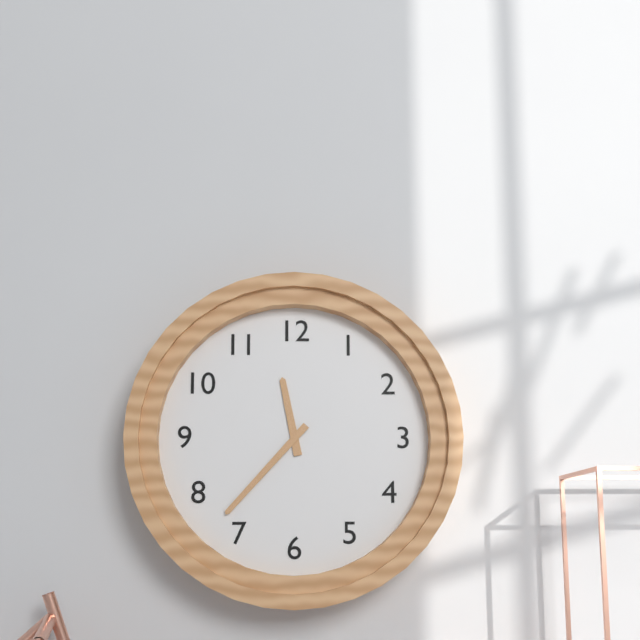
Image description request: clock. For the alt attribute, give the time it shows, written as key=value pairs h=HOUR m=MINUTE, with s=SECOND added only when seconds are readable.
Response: h=11 m=37
